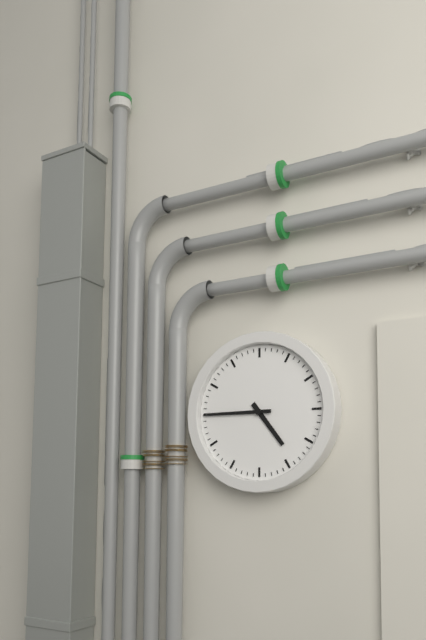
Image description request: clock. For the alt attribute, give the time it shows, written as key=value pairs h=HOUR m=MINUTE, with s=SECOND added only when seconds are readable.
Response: h=4 m=45
